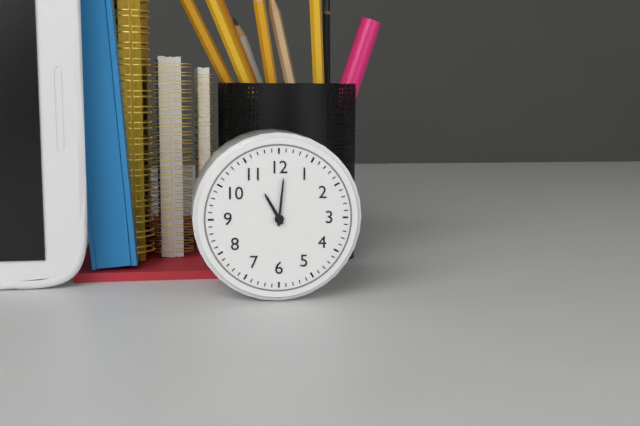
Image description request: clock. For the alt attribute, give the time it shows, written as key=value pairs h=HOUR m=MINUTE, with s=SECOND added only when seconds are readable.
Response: h=11 m=1
